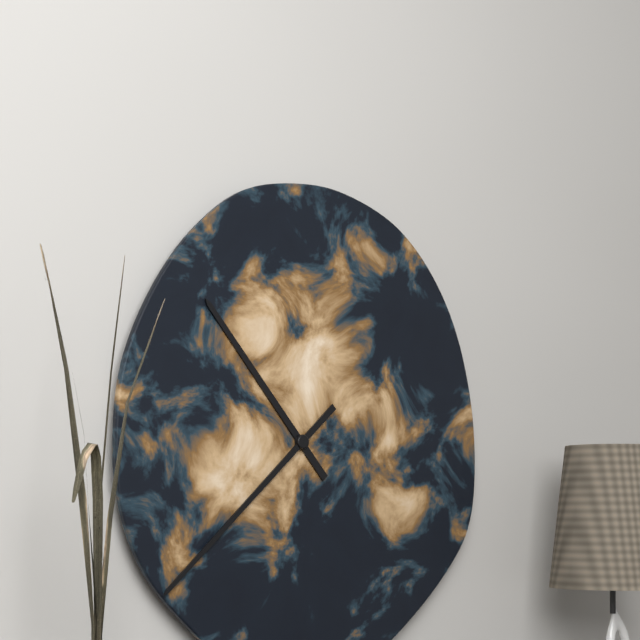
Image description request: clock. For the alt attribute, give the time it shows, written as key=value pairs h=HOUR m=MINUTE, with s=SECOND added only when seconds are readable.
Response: h=10 m=38
